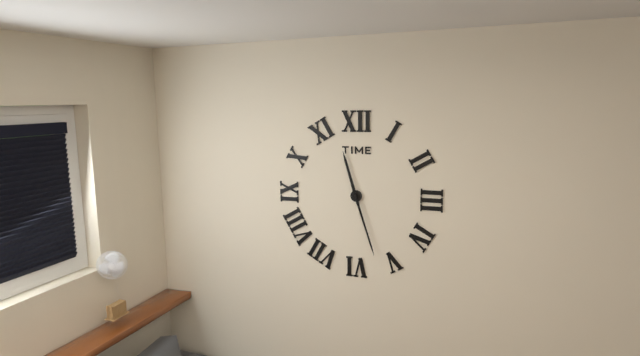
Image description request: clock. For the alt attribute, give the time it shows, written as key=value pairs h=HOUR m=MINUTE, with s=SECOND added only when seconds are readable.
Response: h=11 m=27
